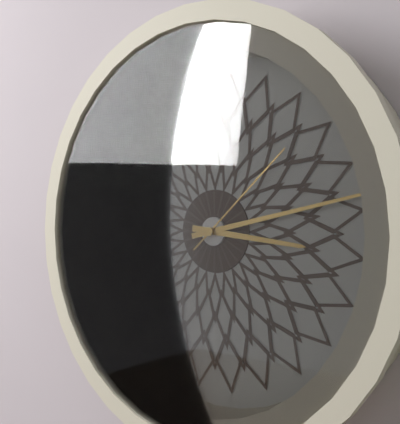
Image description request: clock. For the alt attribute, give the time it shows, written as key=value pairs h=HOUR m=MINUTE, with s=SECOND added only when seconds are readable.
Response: h=3 m=13 s=8
